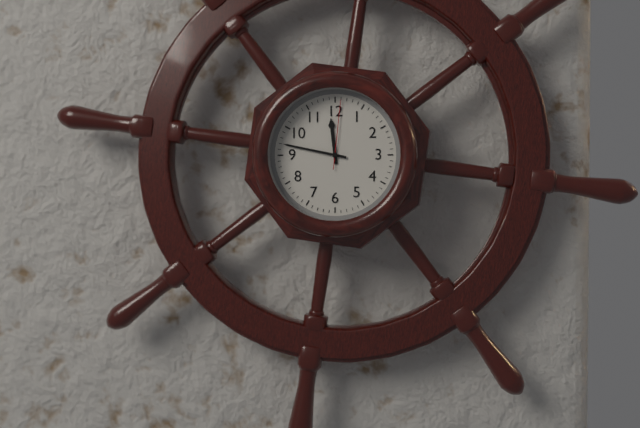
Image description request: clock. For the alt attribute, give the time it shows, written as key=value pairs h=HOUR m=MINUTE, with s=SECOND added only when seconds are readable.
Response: h=11 m=47 s=1
